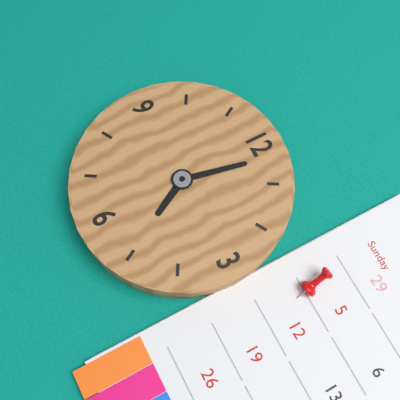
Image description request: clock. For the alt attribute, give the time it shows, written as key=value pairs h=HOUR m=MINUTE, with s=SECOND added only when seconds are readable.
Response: h=5 m=2
